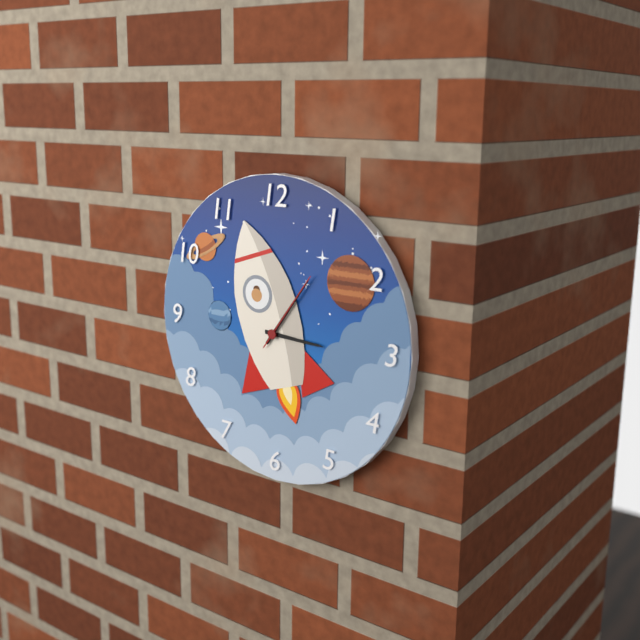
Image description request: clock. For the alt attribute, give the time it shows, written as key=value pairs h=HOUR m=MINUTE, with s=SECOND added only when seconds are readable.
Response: h=3 m=6 s=6
